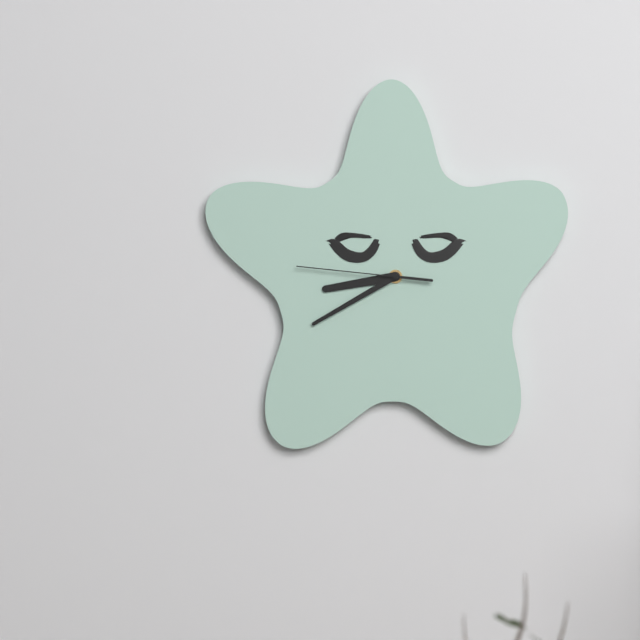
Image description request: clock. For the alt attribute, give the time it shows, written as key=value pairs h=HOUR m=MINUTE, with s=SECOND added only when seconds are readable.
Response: h=8 m=40 s=46
